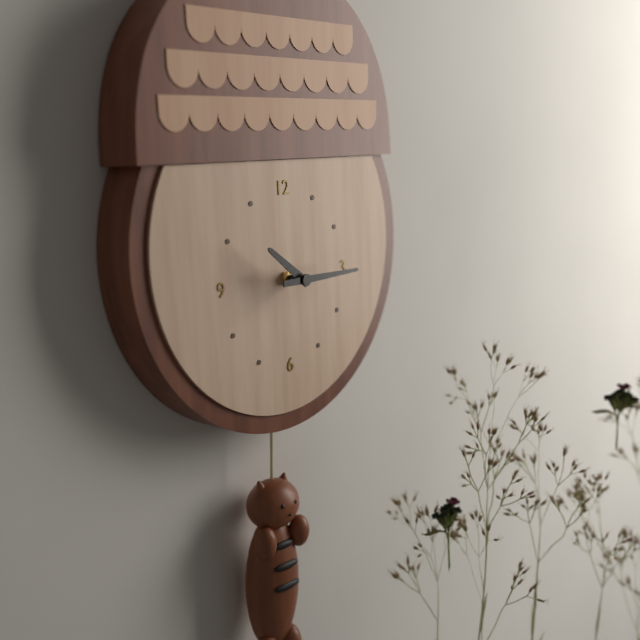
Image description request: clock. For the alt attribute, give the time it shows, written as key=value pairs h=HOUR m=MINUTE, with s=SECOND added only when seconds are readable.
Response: h=10 m=15
